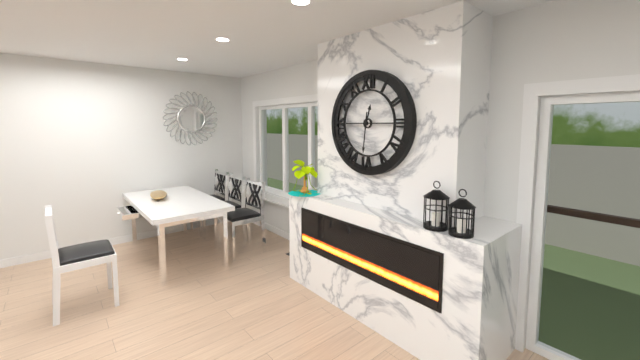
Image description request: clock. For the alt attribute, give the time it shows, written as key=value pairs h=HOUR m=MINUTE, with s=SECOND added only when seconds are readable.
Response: h=12 m=31
